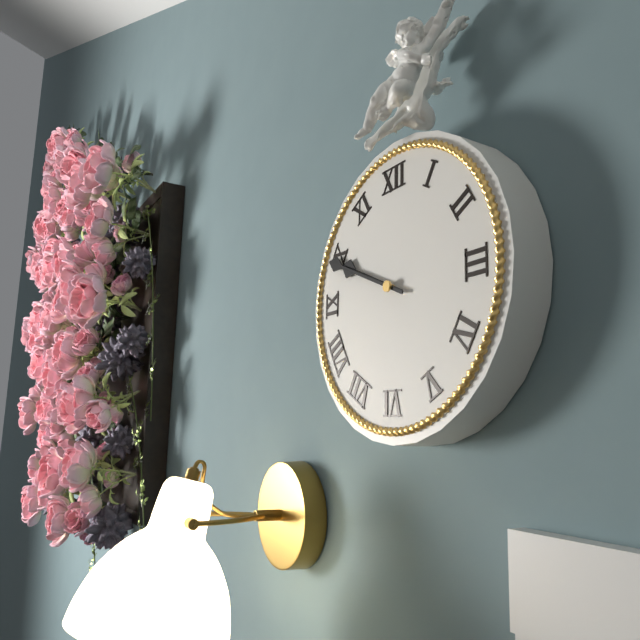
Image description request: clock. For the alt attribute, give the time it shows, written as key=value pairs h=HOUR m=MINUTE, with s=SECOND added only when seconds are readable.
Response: h=9 m=49
